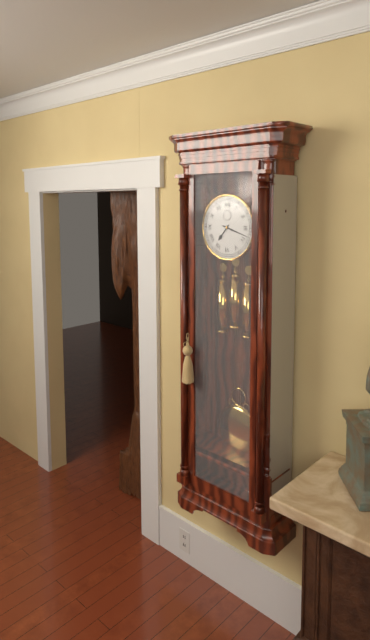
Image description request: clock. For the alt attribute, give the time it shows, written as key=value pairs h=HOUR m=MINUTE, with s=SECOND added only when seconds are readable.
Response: h=7 m=18
